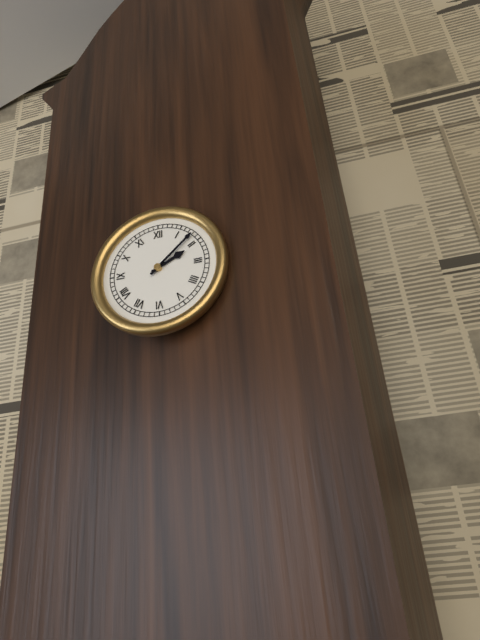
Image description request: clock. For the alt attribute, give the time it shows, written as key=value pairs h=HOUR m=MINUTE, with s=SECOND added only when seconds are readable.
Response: h=2 m=8
